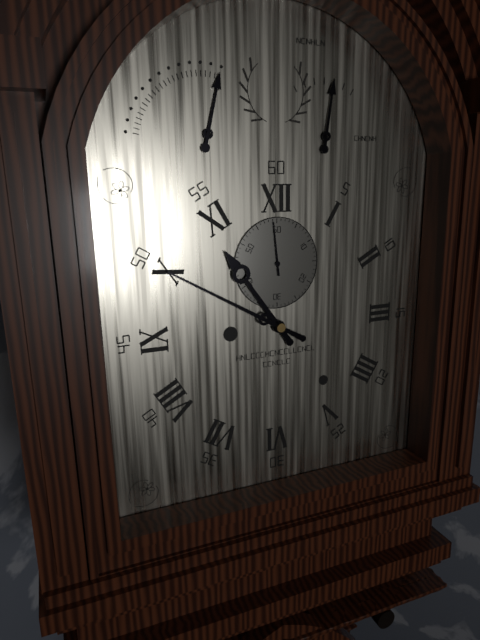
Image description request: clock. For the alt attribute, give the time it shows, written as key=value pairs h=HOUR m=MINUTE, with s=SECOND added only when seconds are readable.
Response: h=10 m=50 s=59
